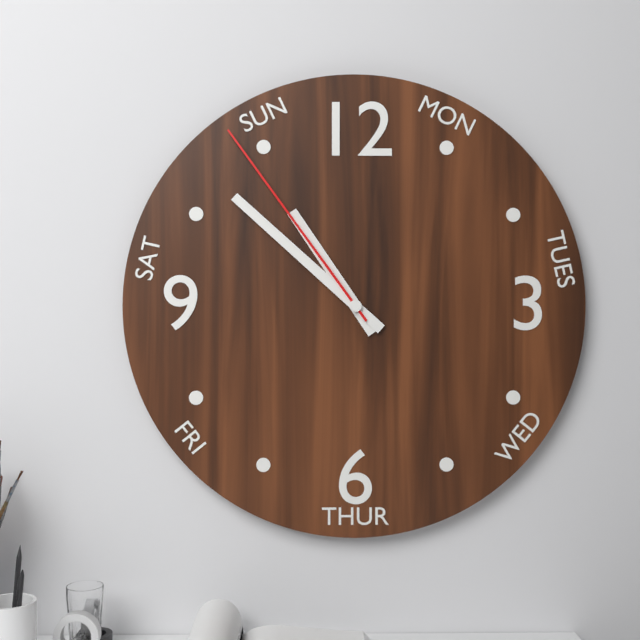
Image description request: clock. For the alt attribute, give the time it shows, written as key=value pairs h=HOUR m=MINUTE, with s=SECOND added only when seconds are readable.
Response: h=10 m=52 s=54
